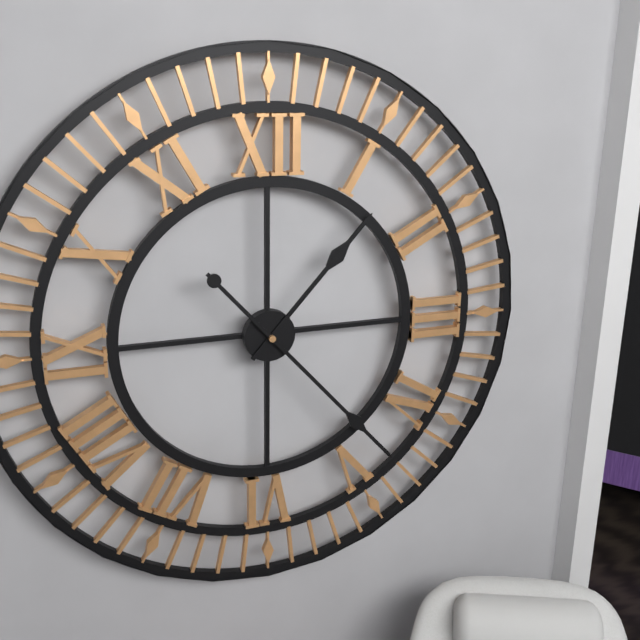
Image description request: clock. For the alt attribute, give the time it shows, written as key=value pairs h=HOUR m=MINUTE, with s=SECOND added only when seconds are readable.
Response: h=1 m=23
